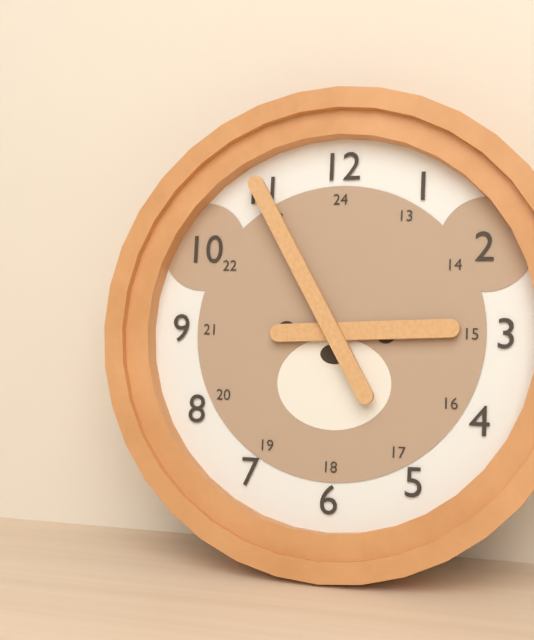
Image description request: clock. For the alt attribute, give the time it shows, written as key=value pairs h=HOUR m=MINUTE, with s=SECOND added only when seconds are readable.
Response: h=2 m=55
